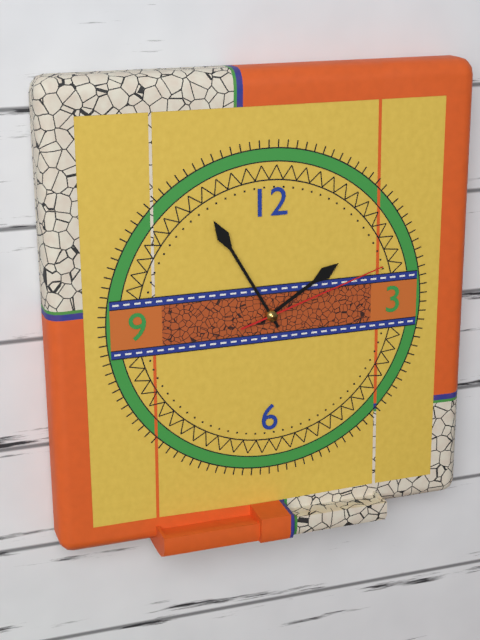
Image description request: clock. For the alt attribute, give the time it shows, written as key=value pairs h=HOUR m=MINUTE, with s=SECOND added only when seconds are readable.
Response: h=1 m=55 s=12
